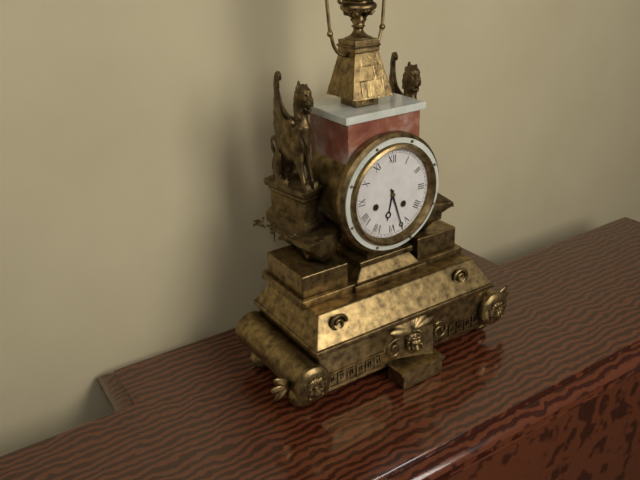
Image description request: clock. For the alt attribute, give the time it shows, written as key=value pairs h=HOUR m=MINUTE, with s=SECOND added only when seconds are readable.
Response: h=6 m=27
